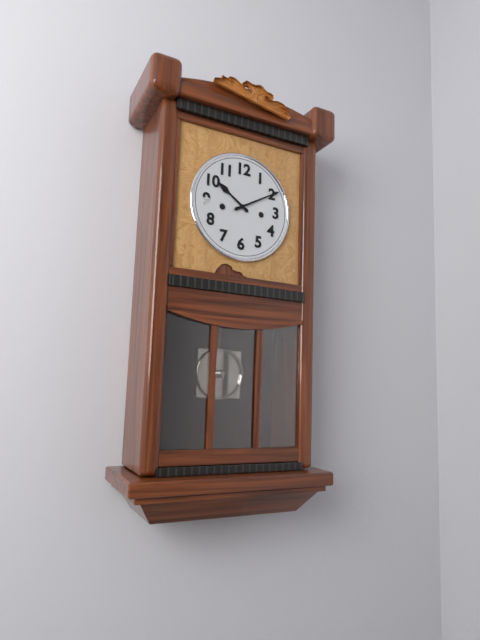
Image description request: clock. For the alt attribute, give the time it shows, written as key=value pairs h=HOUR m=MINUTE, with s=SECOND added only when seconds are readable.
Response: h=10 m=10
